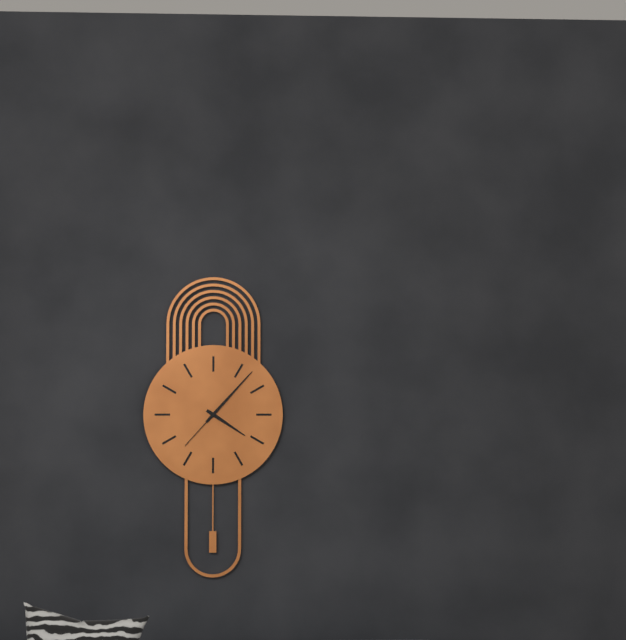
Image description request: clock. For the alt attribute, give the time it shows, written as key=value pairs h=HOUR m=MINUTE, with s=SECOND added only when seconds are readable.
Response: h=4 m=7 s=37
